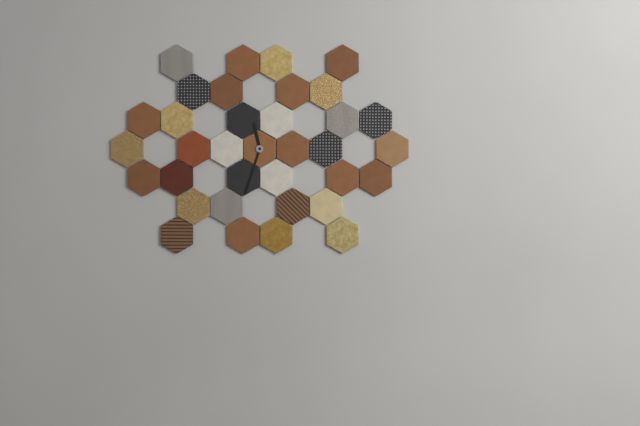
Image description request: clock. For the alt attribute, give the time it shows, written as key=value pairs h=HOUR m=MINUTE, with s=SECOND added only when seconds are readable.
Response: h=11 m=33
